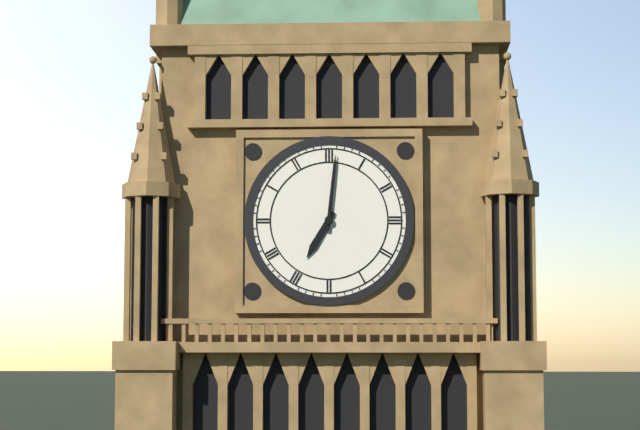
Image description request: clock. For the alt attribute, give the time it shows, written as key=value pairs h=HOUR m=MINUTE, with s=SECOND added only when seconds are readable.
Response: h=7 m=1
